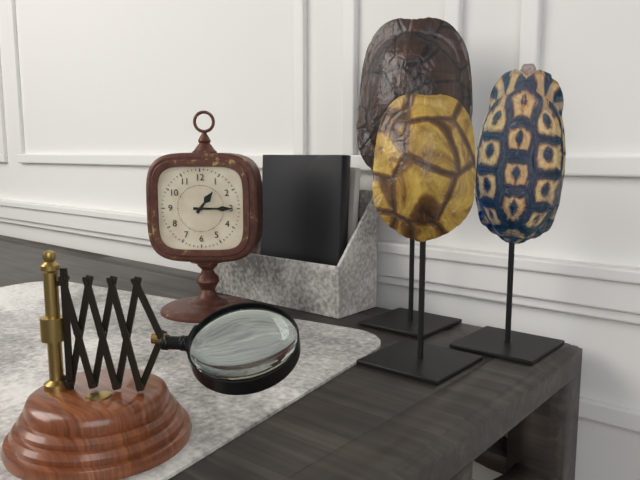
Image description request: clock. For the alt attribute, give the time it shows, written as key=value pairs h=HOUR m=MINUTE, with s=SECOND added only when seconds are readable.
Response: h=1 m=15
